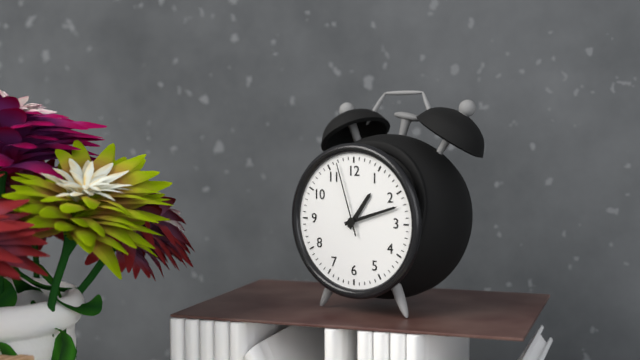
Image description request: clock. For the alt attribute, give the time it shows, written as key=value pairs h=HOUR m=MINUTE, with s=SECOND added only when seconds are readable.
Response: h=1 m=12 s=57
